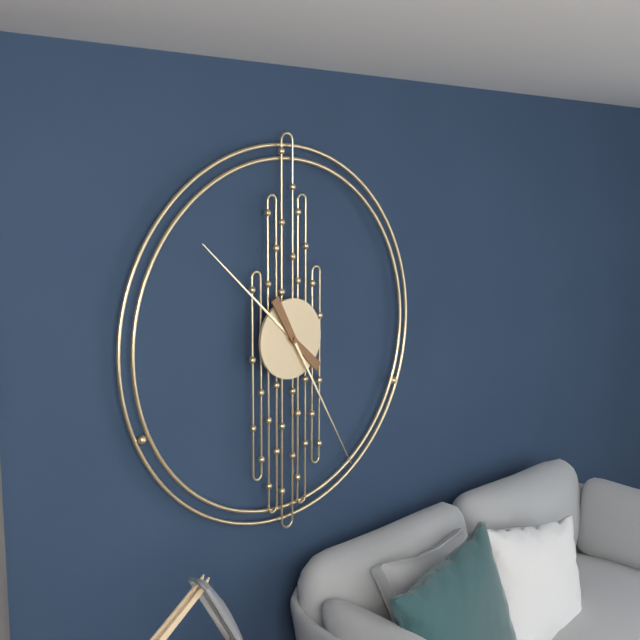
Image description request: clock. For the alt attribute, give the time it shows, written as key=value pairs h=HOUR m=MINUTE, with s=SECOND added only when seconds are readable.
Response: h=10 m=25
